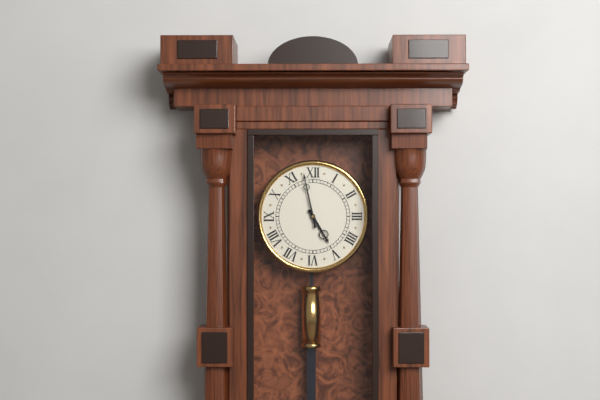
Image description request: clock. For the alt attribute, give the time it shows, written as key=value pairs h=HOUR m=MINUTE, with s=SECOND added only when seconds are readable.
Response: h=4 m=58
